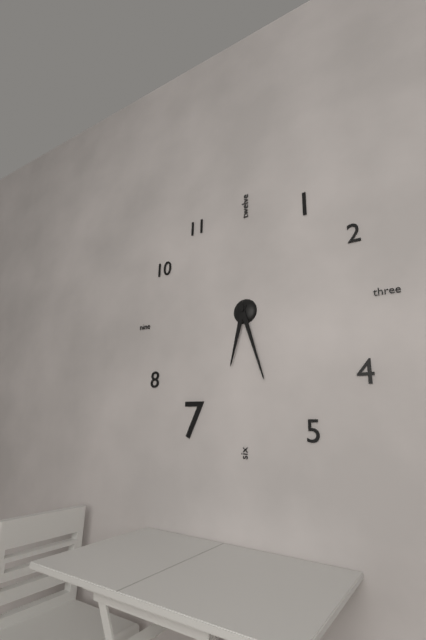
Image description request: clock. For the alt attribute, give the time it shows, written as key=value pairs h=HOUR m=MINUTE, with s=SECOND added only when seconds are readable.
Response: h=6 m=27
